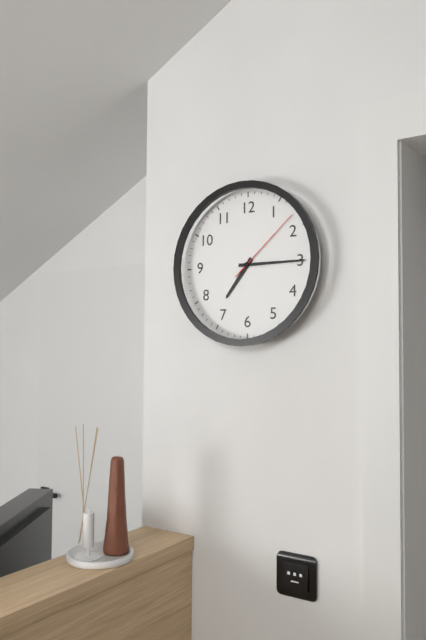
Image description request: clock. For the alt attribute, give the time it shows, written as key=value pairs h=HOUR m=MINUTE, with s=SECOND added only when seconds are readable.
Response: h=7 m=15 s=8
